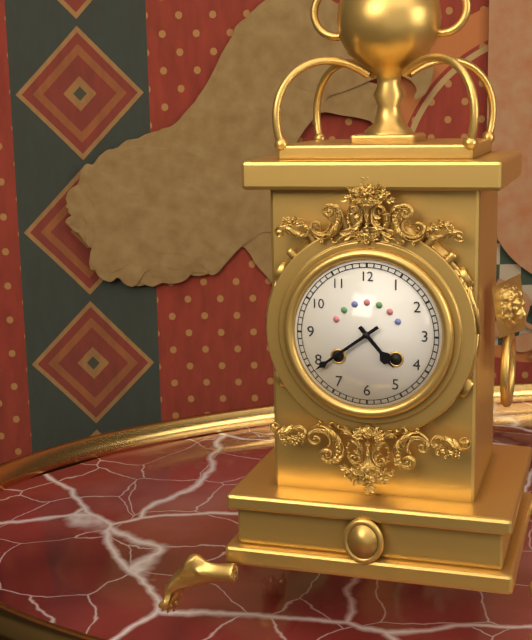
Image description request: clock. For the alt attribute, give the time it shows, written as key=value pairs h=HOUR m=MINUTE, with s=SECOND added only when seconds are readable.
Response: h=4 m=39
